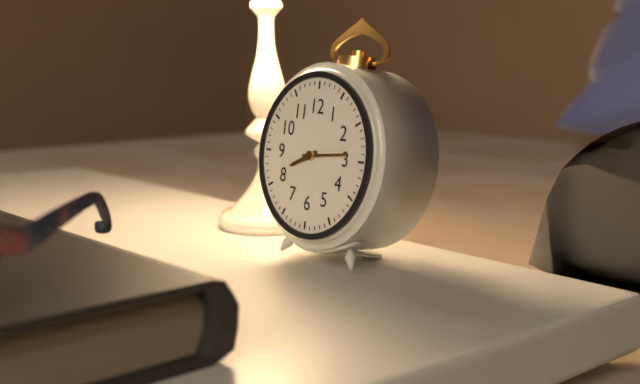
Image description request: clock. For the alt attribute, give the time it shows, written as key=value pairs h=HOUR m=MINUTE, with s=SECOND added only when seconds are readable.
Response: h=8 m=14
